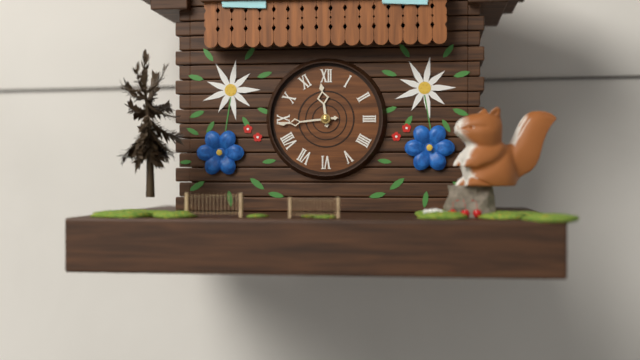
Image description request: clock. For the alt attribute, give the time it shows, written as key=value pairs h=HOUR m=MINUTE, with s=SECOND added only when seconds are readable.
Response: h=11 m=44
